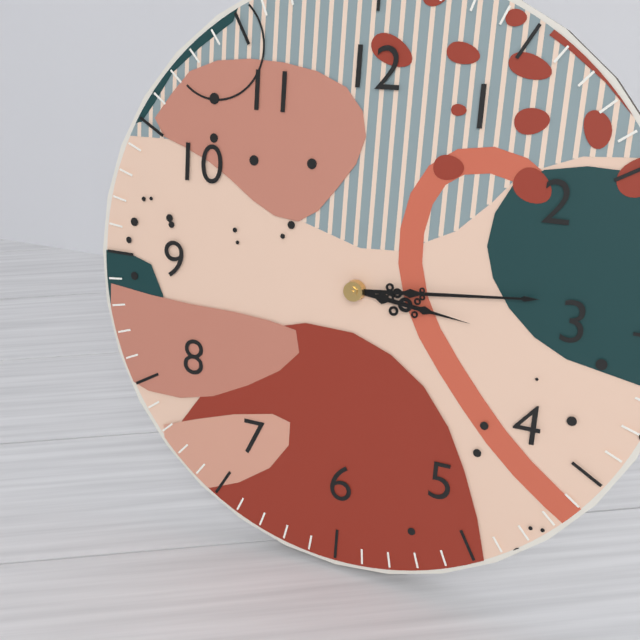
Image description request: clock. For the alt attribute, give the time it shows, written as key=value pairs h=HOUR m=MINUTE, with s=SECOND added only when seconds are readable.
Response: h=3 m=14
